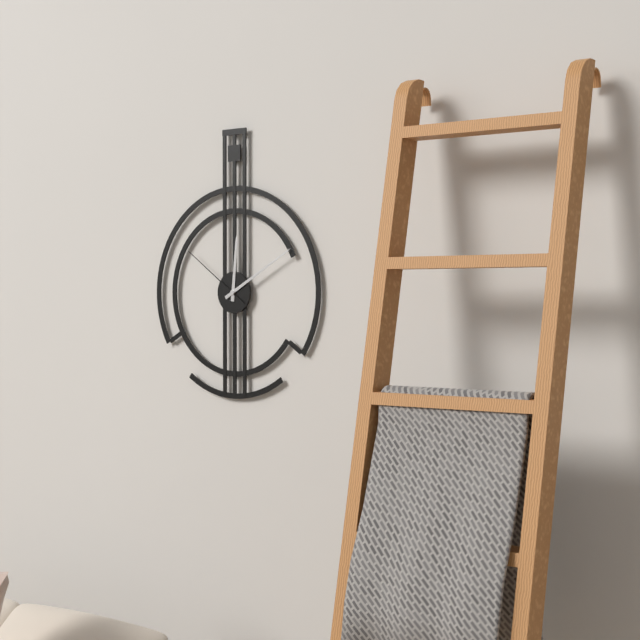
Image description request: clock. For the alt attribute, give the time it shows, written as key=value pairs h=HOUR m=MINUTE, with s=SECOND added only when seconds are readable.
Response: h=12 m=10 s=51
